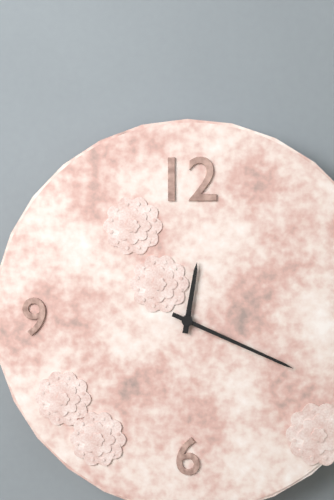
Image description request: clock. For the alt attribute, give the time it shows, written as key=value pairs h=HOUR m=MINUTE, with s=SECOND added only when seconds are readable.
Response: h=12 m=19
